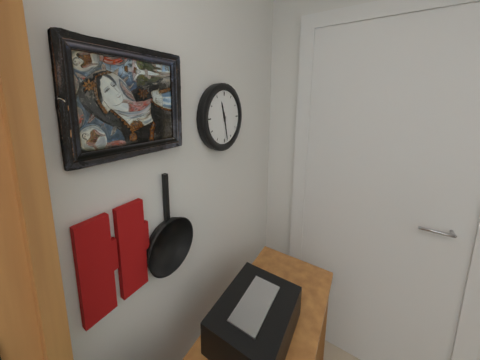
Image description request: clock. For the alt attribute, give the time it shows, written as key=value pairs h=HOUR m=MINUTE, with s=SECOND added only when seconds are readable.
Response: h=11 m=28
